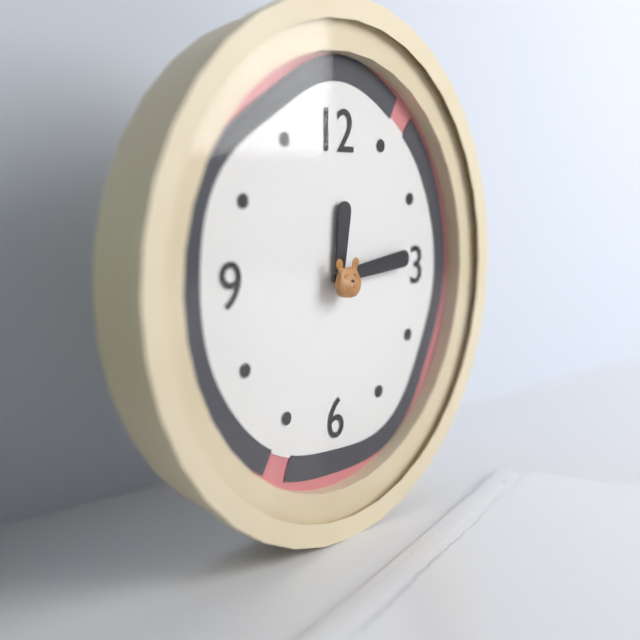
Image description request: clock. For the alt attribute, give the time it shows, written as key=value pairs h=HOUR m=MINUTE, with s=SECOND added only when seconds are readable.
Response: h=12 m=14
